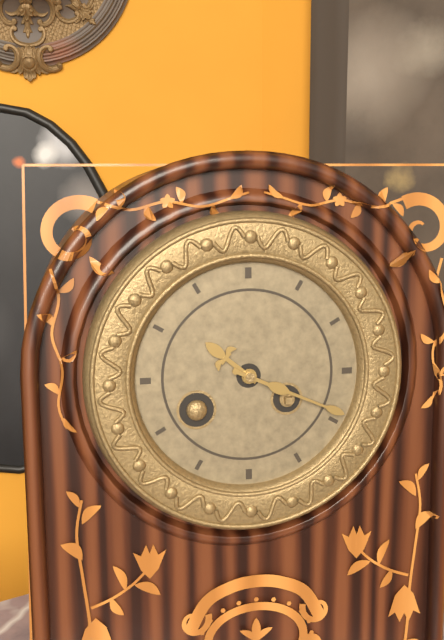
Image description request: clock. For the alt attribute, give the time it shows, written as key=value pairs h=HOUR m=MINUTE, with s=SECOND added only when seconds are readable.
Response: h=10 m=19
